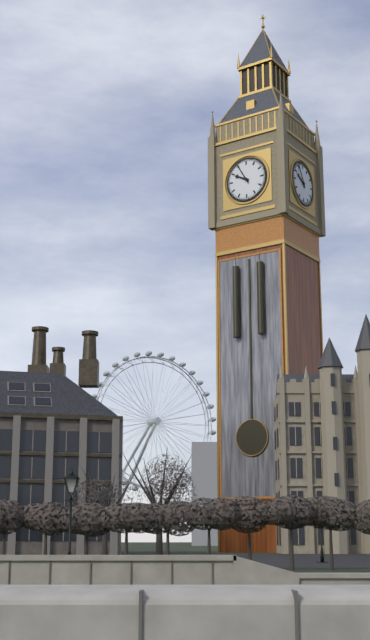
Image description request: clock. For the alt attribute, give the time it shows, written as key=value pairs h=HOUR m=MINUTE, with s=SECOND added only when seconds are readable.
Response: h=9 m=55
